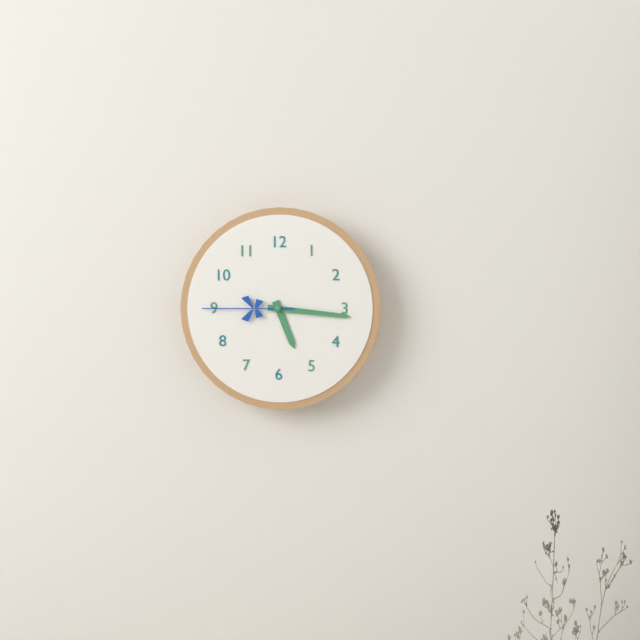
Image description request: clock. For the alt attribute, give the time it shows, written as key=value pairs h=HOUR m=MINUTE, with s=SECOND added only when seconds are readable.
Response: h=5 m=16 s=45
